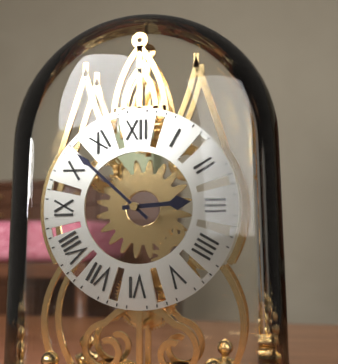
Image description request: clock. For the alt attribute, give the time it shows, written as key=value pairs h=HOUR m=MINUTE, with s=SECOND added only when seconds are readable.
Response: h=2 m=52
